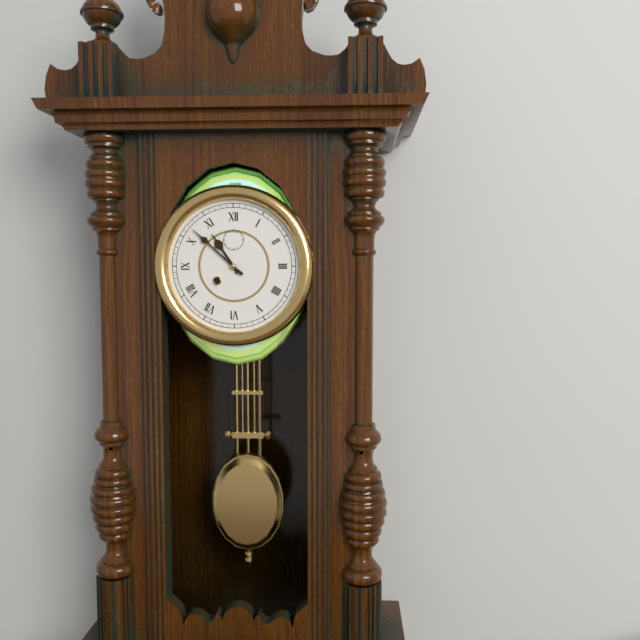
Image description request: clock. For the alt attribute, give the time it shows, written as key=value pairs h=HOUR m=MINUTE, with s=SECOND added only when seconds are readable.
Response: h=10 m=52
